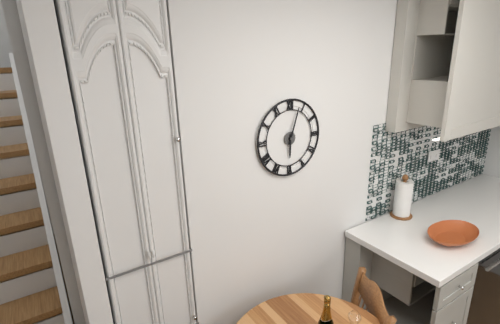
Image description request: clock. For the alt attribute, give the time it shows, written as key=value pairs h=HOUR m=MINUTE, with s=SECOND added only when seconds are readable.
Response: h=6 m=3
